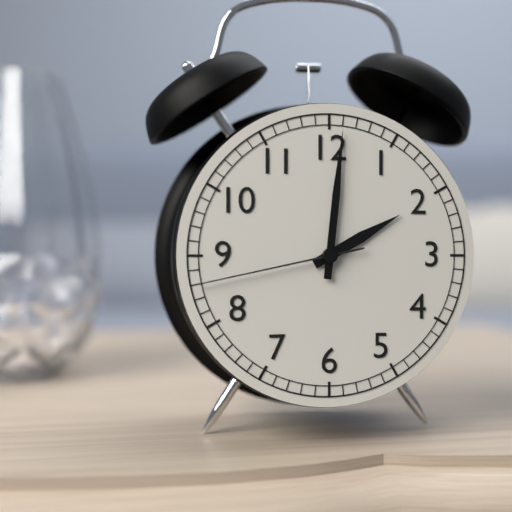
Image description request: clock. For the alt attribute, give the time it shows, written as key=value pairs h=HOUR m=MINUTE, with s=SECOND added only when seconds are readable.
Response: h=2 m=1 s=43
